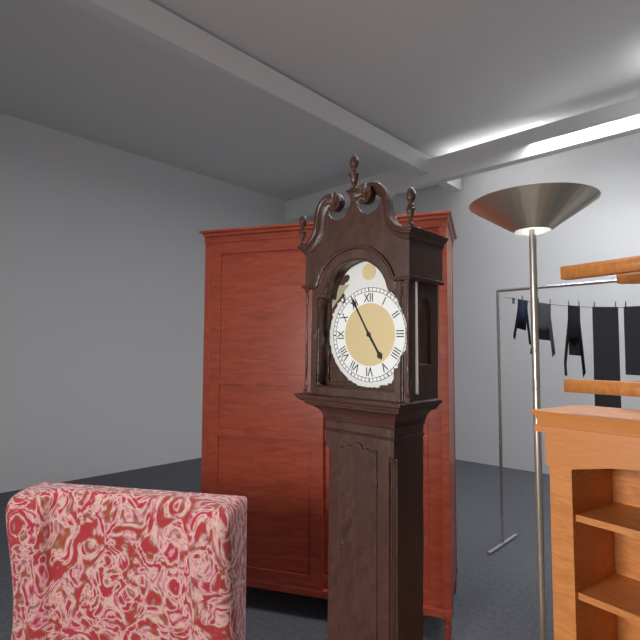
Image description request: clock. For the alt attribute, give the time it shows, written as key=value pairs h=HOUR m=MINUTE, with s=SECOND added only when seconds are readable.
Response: h=4 m=55
